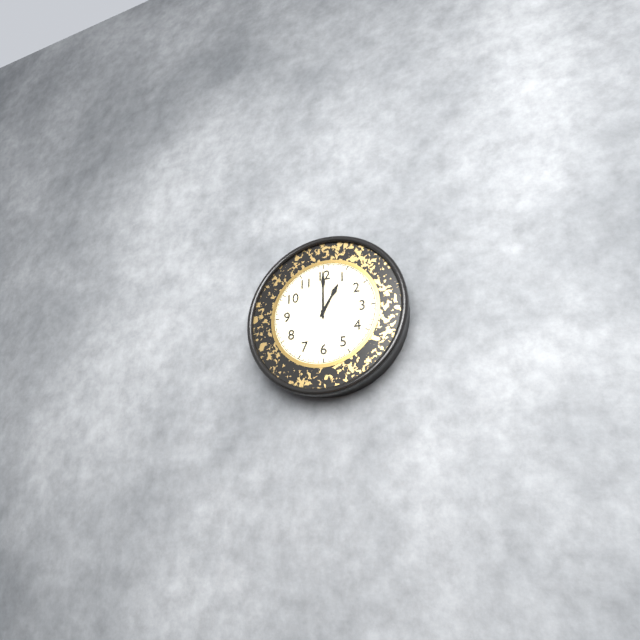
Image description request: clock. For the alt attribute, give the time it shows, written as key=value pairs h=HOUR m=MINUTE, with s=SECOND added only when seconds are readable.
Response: h=1 m=0
